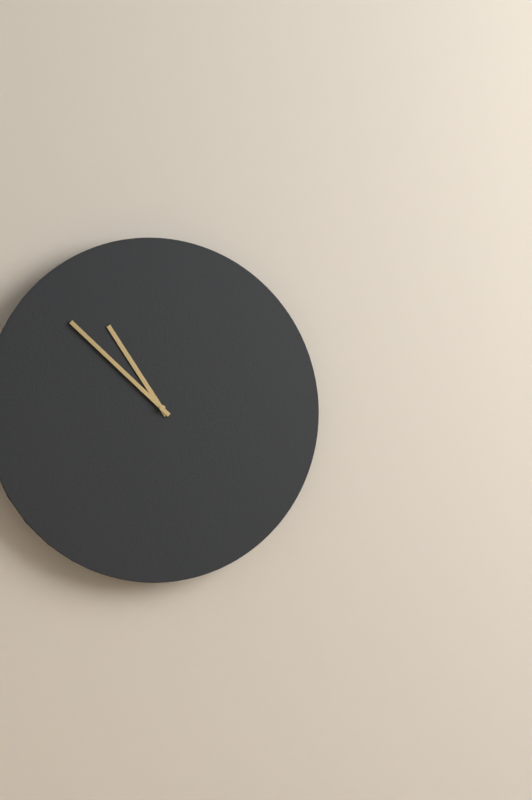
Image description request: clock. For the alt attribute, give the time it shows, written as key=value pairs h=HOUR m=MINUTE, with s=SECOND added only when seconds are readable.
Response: h=10 m=52
